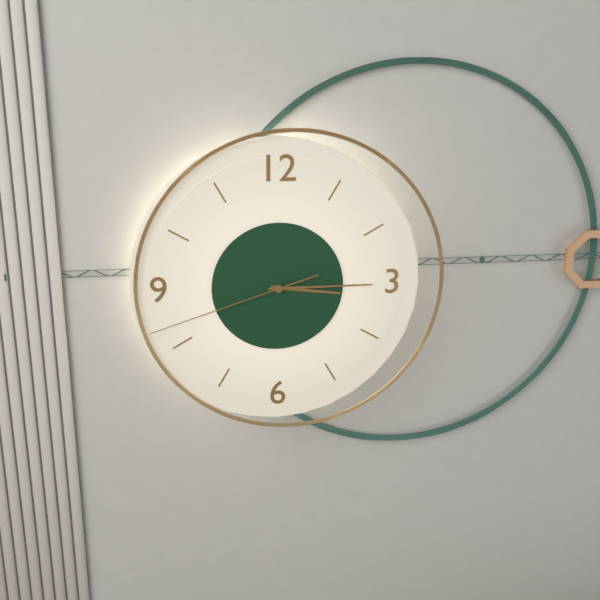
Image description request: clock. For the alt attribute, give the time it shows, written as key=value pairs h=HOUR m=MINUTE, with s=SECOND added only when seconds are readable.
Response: h=3 m=15 s=42
